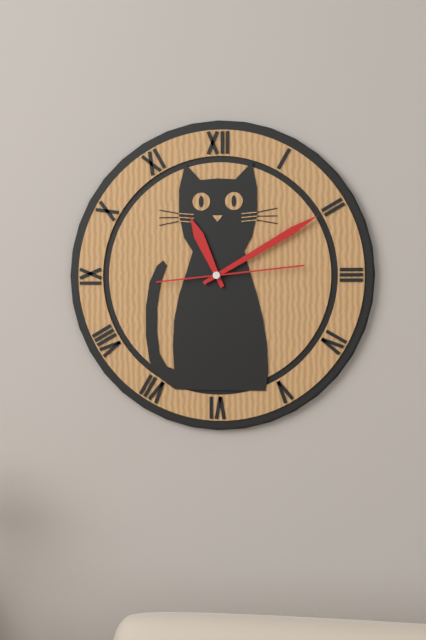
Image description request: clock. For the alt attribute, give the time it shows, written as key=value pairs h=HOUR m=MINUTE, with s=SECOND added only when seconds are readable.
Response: h=11 m=10 s=14
